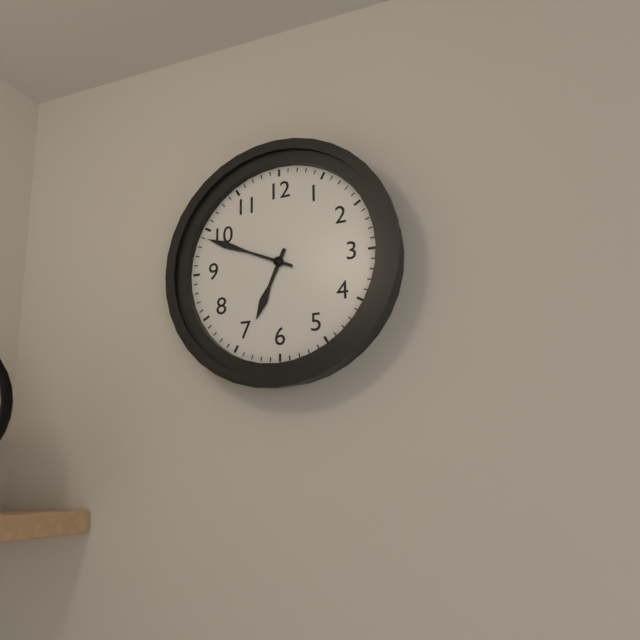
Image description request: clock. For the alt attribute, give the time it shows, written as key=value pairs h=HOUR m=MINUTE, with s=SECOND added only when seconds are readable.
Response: h=6 m=49
